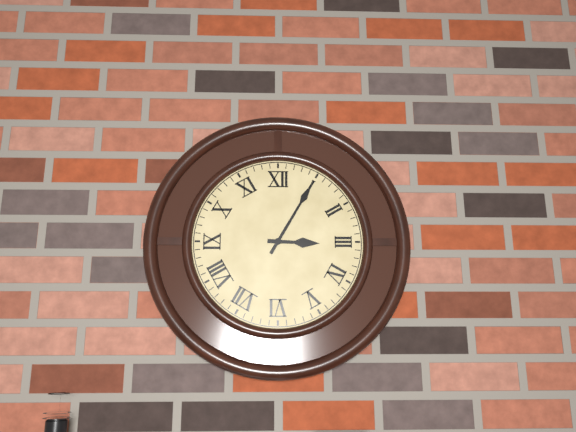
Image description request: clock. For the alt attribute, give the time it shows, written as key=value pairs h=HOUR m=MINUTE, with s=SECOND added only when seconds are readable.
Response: h=3 m=5
